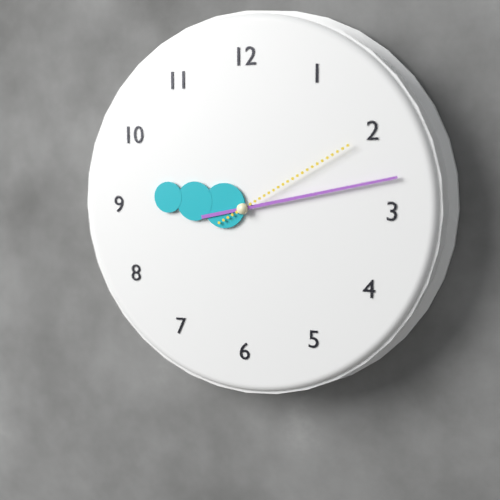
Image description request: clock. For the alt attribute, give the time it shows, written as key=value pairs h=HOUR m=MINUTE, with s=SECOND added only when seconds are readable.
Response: h=9 m=13 s=10
